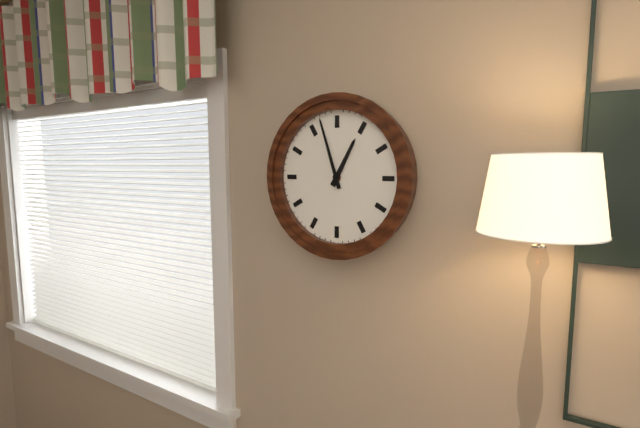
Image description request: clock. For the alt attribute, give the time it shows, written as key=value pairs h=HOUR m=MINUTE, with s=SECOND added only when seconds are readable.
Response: h=12 m=57
